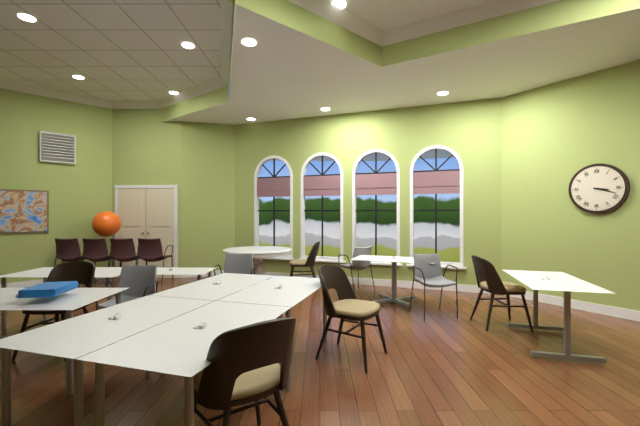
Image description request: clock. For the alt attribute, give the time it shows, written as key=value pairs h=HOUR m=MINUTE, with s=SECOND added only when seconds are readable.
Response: h=3 m=18
